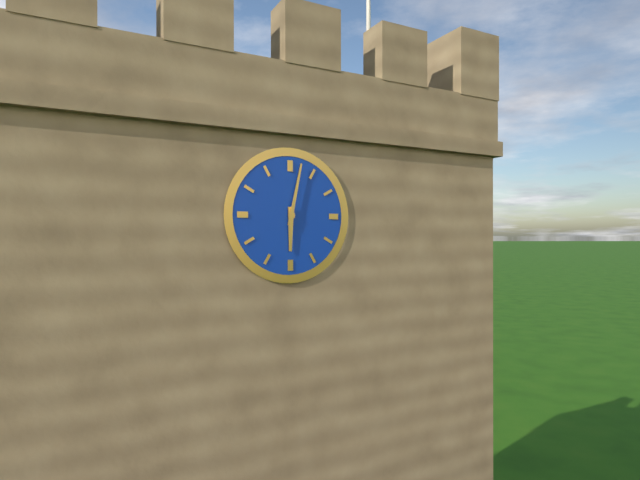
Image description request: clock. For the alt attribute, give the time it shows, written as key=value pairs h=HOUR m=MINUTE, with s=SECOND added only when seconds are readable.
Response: h=6 m=2
